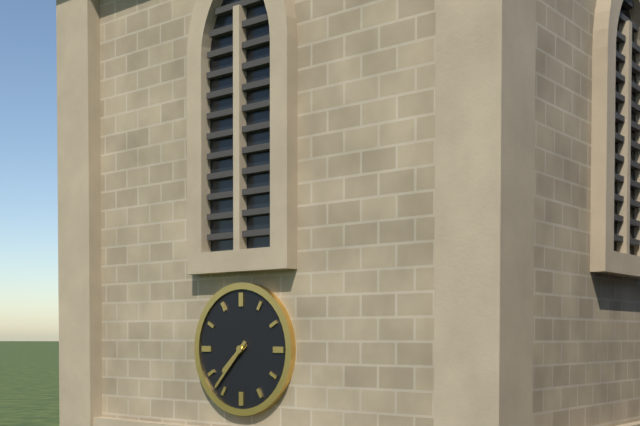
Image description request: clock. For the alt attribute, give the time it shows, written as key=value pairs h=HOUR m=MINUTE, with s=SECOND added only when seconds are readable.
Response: h=7 m=37
